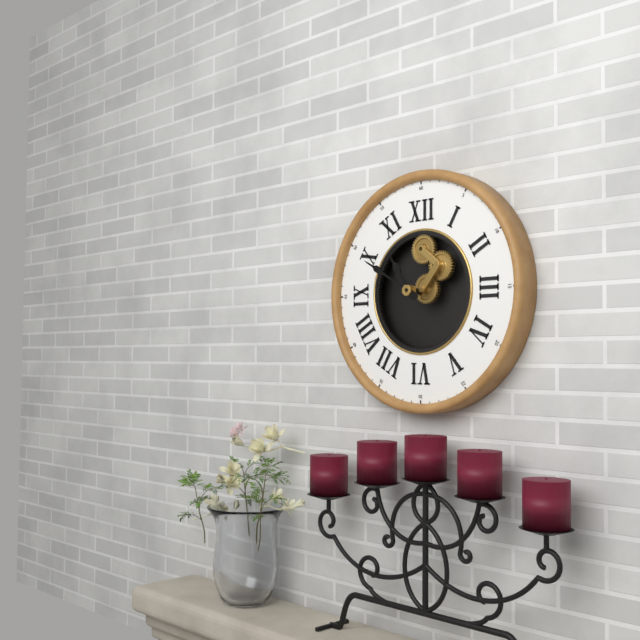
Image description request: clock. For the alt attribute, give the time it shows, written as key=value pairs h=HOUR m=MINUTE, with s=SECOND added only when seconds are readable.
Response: h=10 m=50
